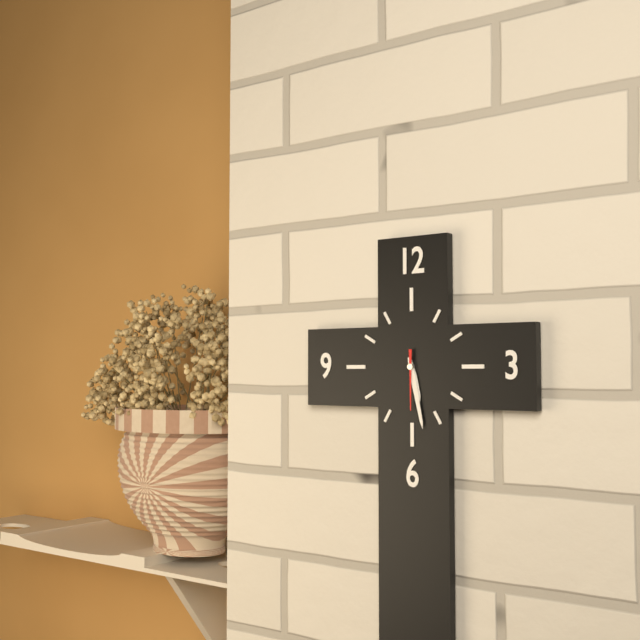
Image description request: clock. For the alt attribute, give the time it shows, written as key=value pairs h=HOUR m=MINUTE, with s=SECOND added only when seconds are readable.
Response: h=5 m=28 s=30
